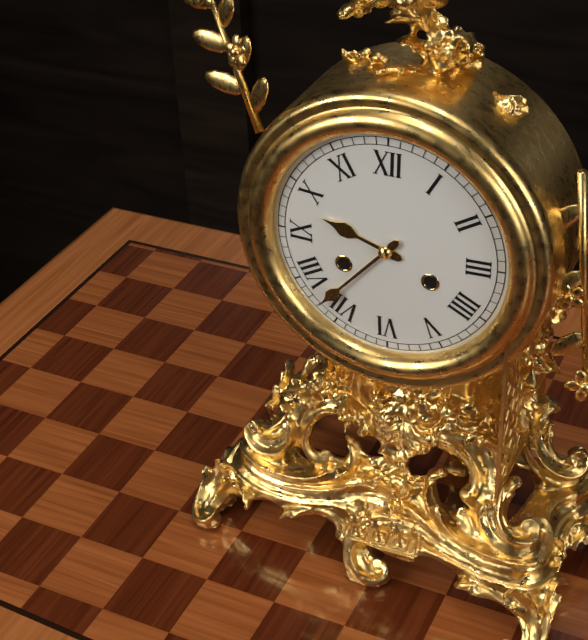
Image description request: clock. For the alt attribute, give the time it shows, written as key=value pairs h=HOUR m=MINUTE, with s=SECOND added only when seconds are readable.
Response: h=9 m=37
